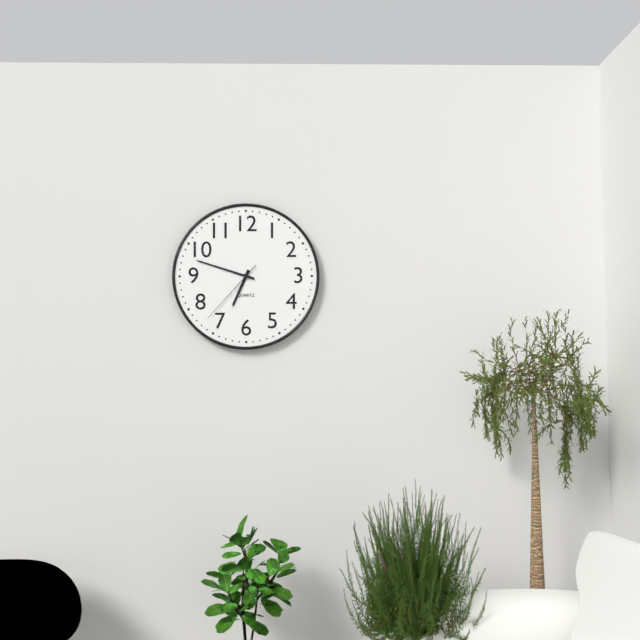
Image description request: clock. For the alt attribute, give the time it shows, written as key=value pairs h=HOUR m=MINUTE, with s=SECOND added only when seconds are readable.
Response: h=6 m=48 s=37
